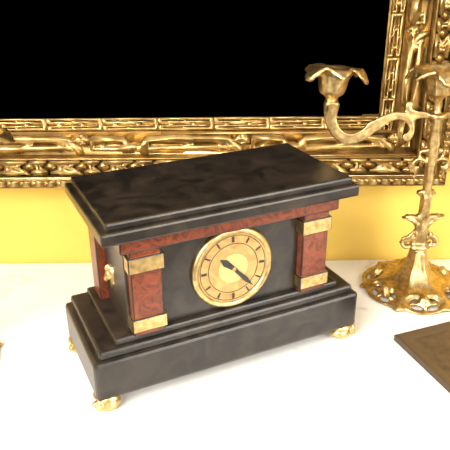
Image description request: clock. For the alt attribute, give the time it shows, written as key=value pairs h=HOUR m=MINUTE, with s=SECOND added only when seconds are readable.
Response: h=10 m=23
